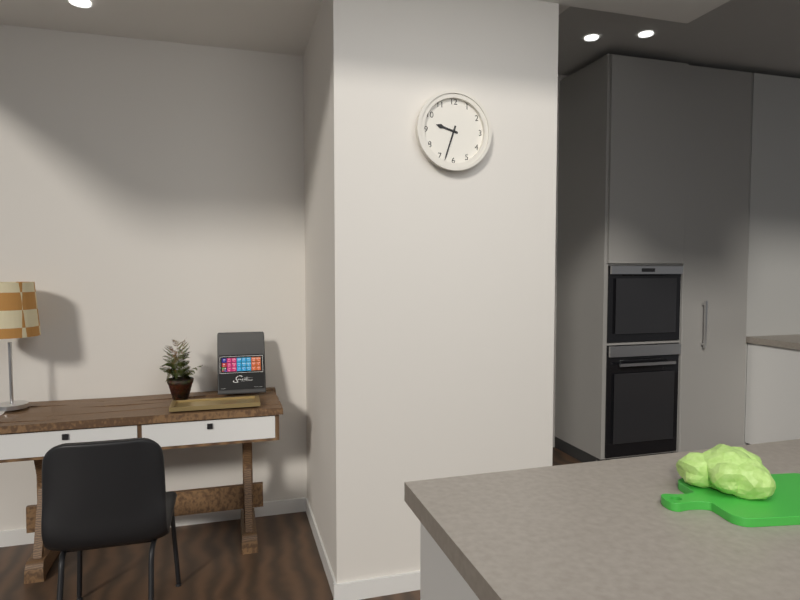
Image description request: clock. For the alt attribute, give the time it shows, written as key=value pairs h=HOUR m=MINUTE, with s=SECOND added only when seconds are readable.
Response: h=9 m=33
